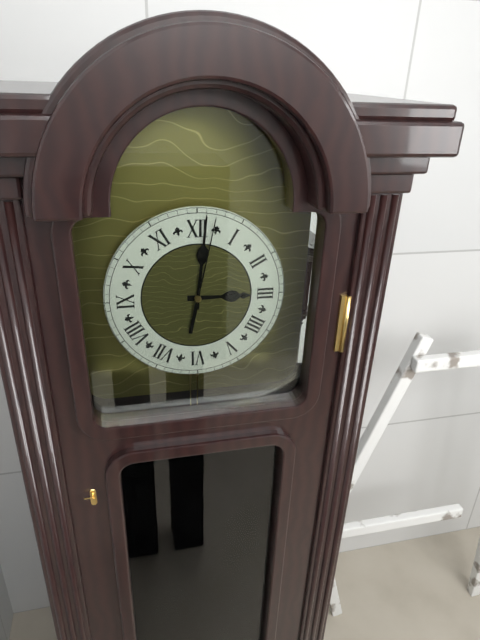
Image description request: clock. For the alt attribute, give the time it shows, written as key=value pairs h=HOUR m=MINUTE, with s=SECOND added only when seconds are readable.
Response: h=3 m=1 s=2
